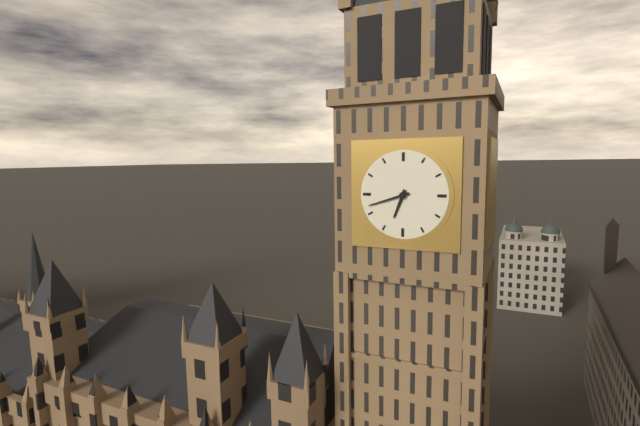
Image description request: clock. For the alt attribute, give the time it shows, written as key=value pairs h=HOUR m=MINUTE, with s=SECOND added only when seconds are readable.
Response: h=6 m=42
